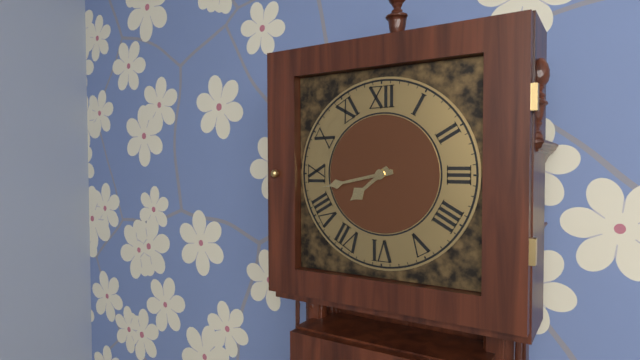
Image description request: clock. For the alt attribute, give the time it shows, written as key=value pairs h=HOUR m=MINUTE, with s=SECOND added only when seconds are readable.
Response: h=7 m=43
